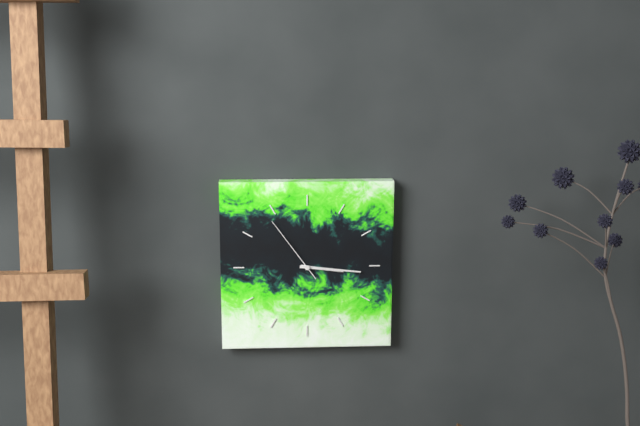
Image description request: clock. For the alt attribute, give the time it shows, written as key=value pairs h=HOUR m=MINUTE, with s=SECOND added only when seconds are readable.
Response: h=3 m=16 s=54
